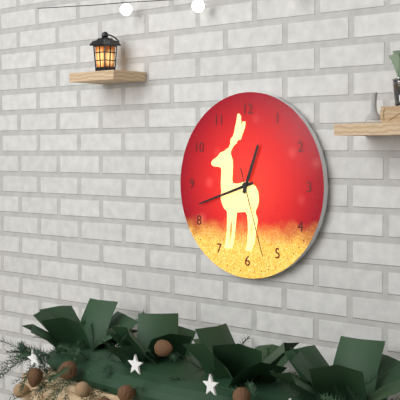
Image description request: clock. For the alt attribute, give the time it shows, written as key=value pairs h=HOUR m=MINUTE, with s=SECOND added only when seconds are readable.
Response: h=12 m=42 s=27
